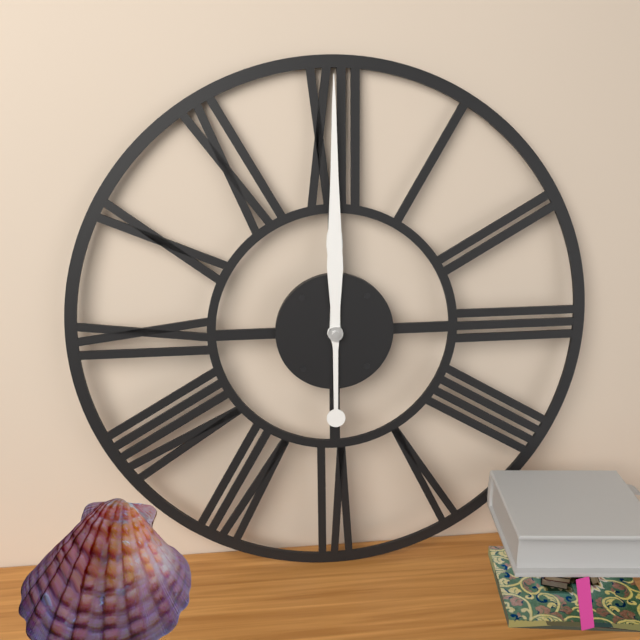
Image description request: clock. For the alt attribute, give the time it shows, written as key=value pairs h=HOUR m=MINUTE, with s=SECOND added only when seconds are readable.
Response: h=12 m=0
